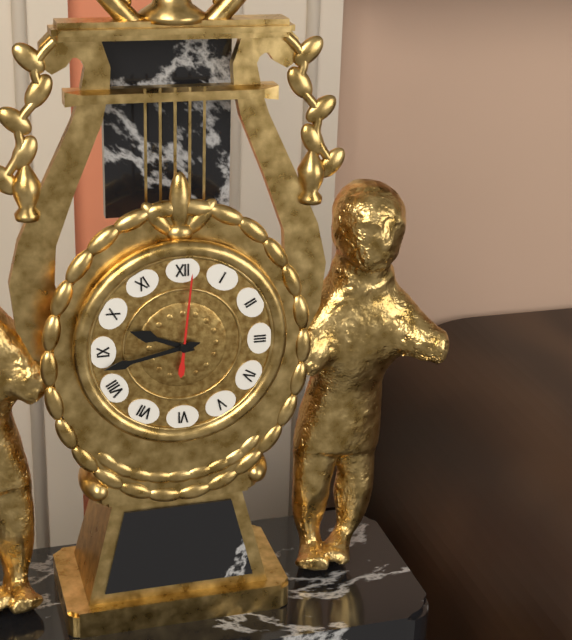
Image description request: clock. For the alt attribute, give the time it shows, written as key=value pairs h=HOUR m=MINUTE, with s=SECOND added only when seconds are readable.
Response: h=9 m=43 s=1
